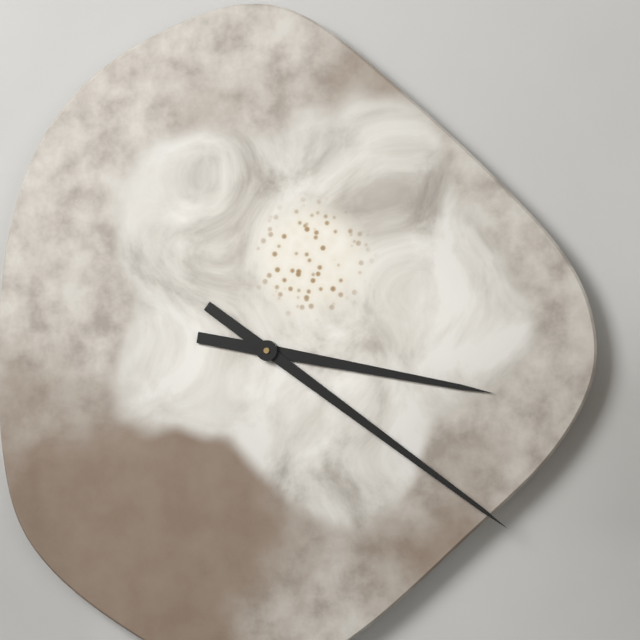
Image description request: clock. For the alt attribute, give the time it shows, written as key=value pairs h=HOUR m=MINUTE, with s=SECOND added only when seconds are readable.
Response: h=3 m=21
